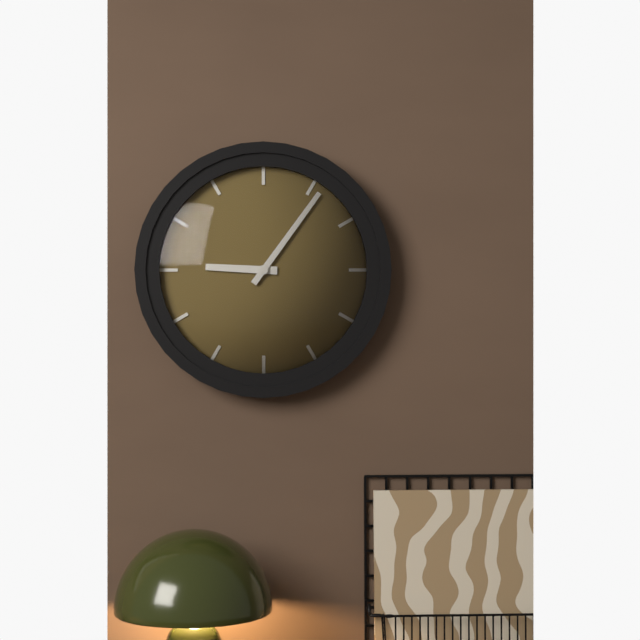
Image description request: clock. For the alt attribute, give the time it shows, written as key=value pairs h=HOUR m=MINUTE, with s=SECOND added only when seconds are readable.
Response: h=9 m=6
